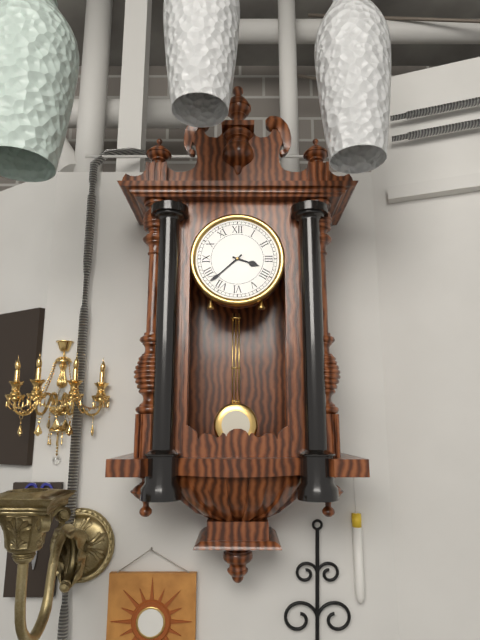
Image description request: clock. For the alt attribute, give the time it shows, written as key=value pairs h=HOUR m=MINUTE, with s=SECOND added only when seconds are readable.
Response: h=3 m=38
